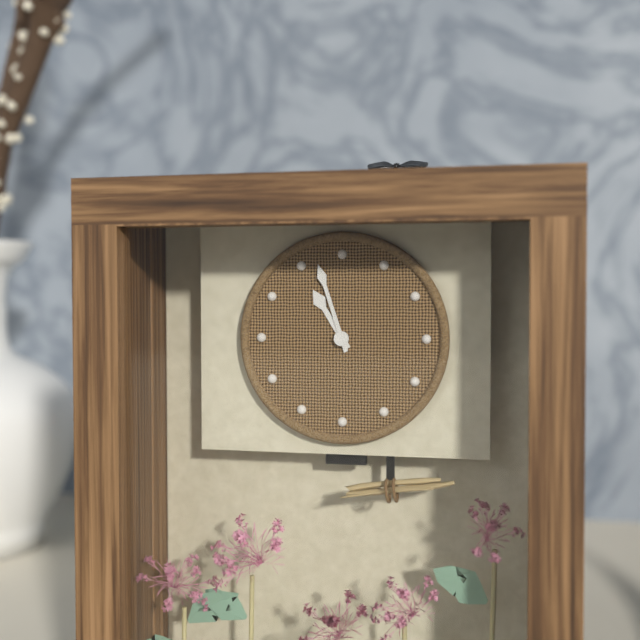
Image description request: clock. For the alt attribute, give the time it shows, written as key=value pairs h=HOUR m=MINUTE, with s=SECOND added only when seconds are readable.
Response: h=10 m=57
